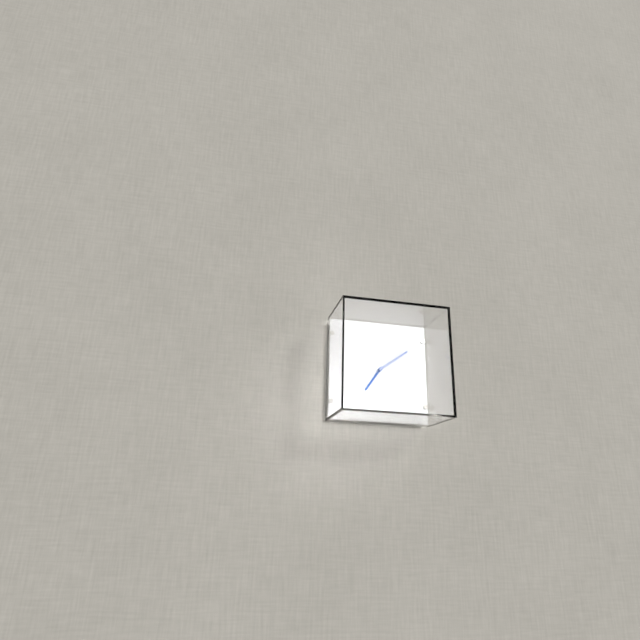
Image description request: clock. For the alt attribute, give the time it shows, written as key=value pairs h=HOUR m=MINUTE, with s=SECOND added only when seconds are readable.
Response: h=7 m=9
